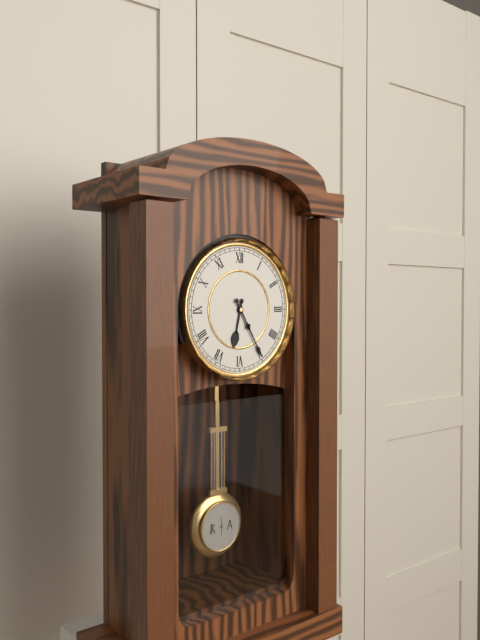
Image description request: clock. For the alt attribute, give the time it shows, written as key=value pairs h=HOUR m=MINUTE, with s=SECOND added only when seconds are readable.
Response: h=6 m=25
